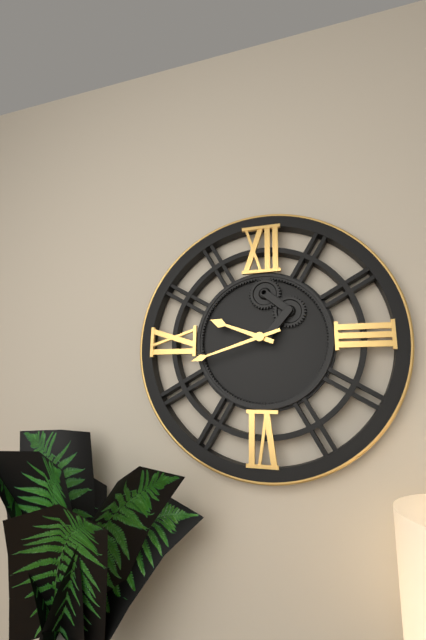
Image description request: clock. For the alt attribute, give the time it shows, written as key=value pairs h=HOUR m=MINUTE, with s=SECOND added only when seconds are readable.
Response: h=9 m=42
